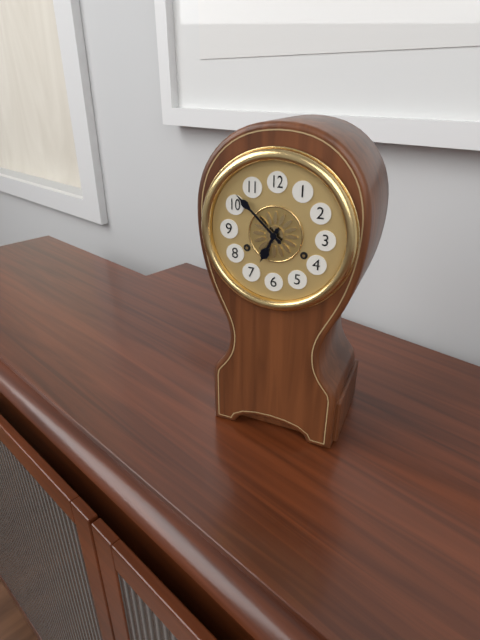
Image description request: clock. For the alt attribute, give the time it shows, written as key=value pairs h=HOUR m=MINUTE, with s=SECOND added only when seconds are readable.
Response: h=6 m=52
